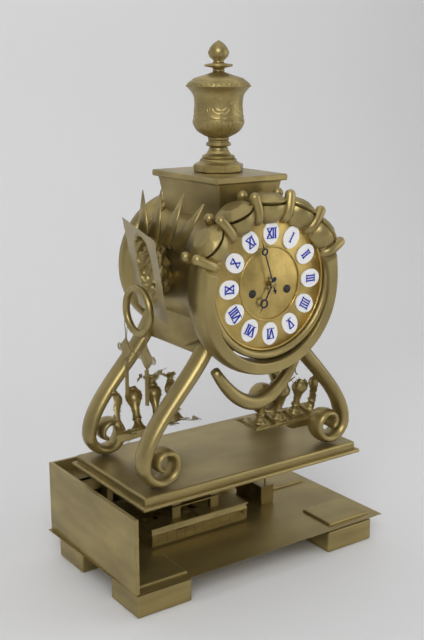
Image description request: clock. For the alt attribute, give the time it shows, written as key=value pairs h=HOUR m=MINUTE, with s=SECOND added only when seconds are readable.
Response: h=6 m=57
